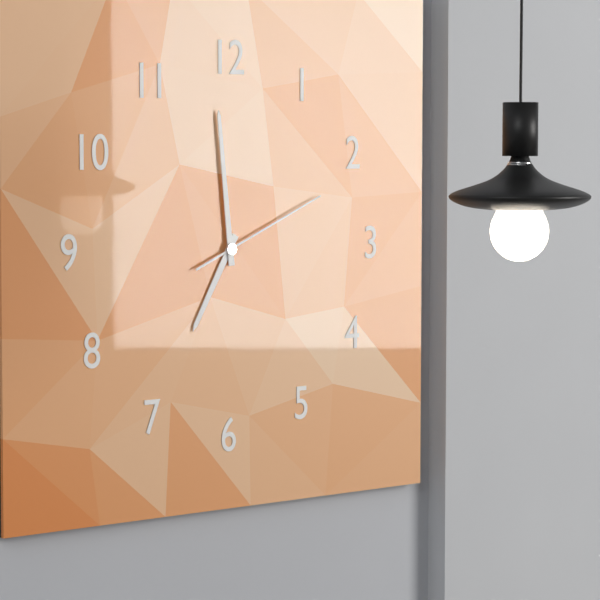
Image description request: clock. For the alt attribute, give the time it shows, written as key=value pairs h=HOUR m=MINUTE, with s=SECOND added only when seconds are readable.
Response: h=6 m=59 s=11
